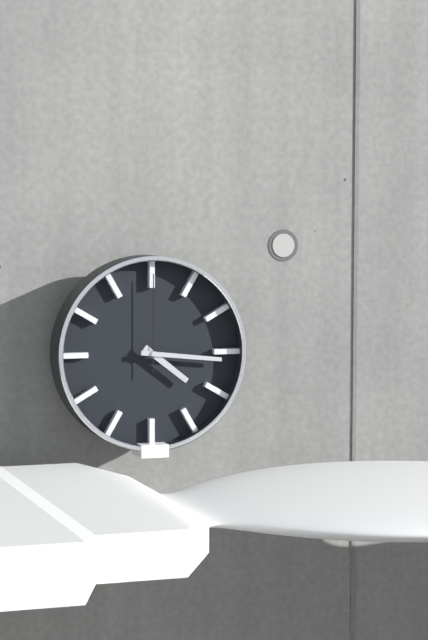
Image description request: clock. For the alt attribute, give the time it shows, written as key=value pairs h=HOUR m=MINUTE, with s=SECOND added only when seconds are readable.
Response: h=4 m=16 s=0
